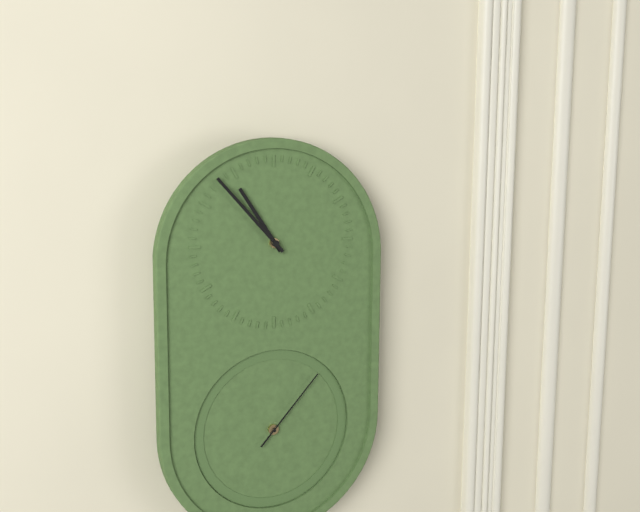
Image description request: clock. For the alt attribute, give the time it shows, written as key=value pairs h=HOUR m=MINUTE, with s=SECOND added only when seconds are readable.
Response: h=10 m=53 s=7
